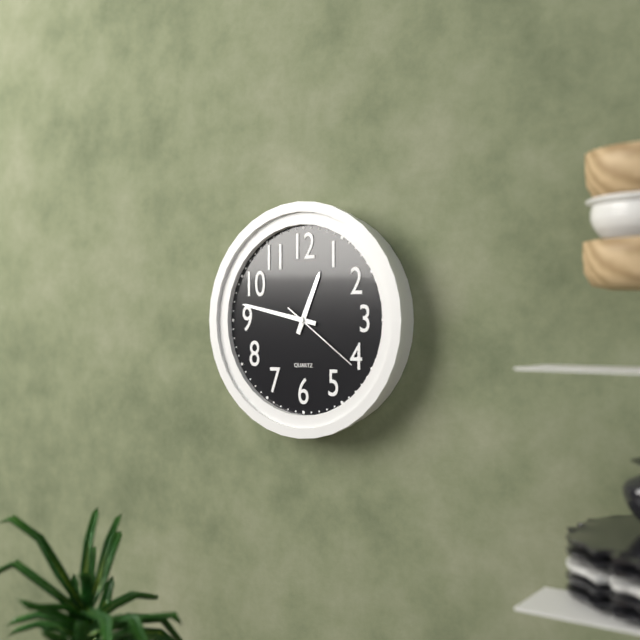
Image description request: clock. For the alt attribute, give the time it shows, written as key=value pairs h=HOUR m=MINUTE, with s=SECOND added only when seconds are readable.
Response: h=12 m=47 s=21
